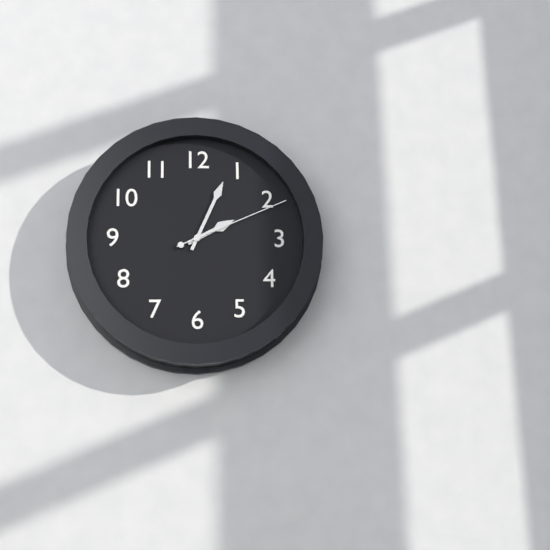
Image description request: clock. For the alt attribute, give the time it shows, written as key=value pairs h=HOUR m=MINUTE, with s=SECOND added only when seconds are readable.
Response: h=2 m=4 s=11
